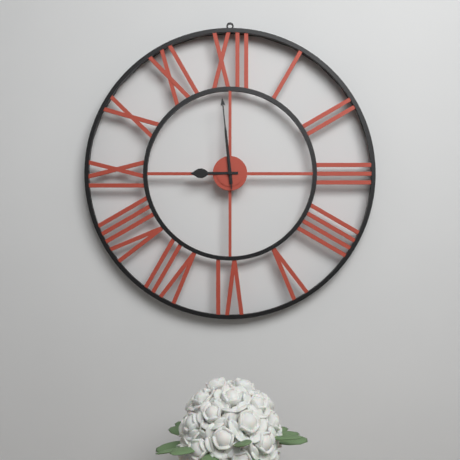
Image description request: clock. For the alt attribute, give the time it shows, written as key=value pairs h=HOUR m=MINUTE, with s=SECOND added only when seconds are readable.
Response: h=8 m=59 s=59
